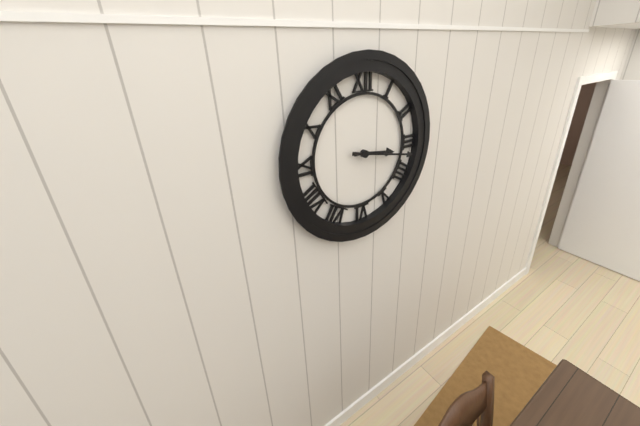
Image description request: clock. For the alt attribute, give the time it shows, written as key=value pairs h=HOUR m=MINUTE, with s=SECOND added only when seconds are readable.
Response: h=3 m=17
